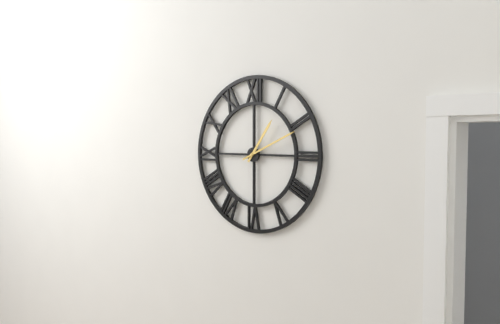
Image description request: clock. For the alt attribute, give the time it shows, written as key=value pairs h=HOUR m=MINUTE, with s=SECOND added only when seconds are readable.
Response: h=1 m=11
